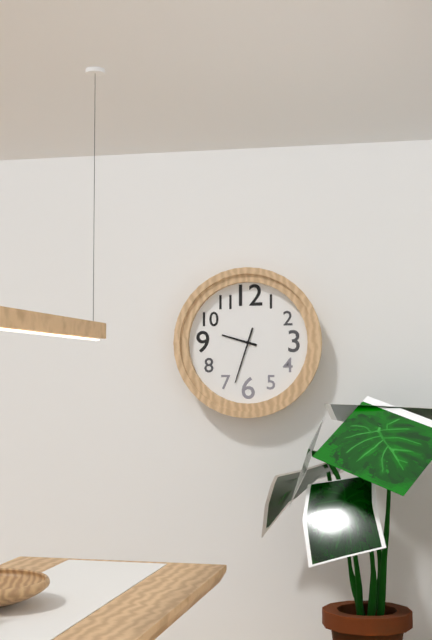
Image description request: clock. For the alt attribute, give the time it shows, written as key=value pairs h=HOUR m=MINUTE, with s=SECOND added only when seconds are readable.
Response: h=9 m=33
